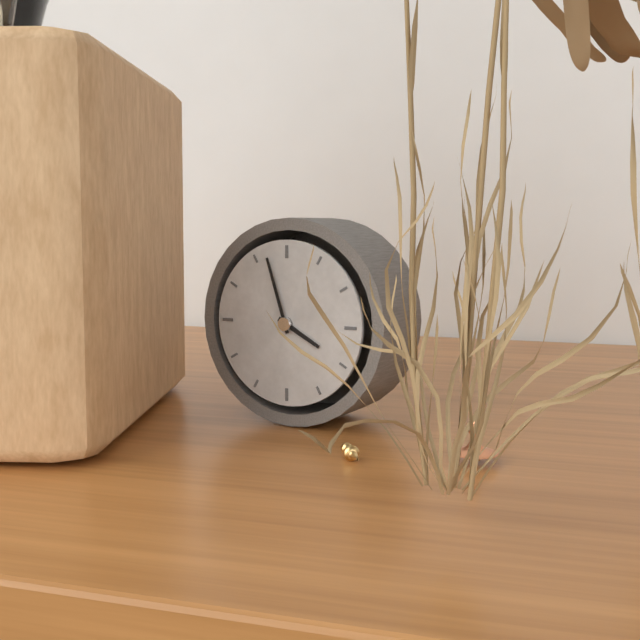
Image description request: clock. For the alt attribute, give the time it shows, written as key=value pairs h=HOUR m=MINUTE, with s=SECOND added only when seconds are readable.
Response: h=3 m=57
